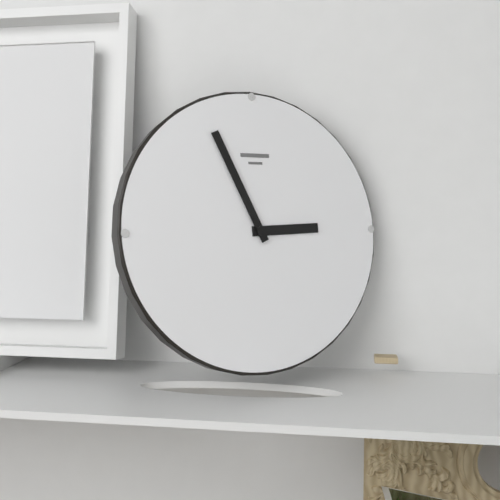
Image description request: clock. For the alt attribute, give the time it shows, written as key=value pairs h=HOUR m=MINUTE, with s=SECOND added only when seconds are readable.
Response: h=2 m=56
